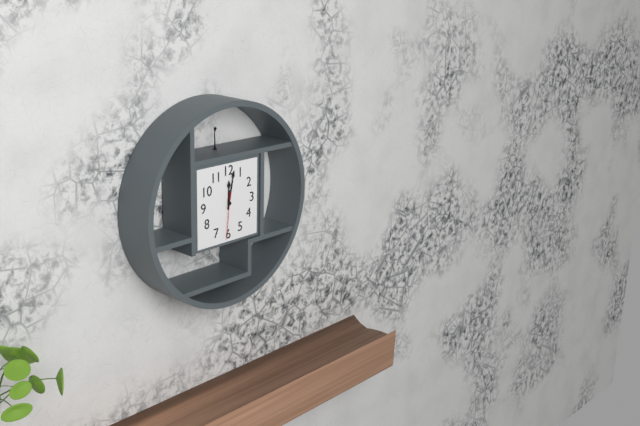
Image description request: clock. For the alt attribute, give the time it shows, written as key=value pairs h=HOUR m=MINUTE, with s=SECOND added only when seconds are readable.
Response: h=12 m=2
